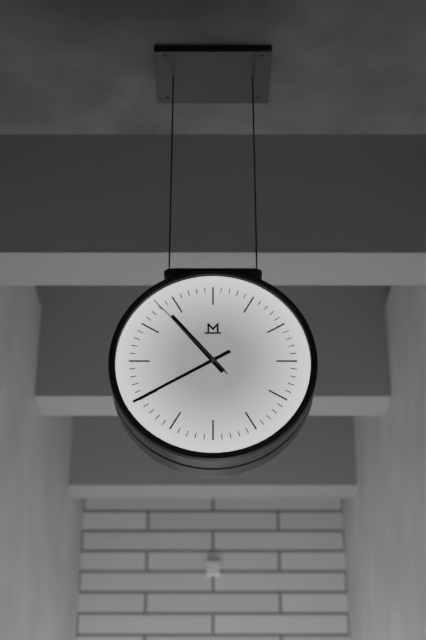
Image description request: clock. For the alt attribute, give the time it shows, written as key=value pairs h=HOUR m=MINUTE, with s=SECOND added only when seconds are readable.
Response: h=10 m=40 s=53
